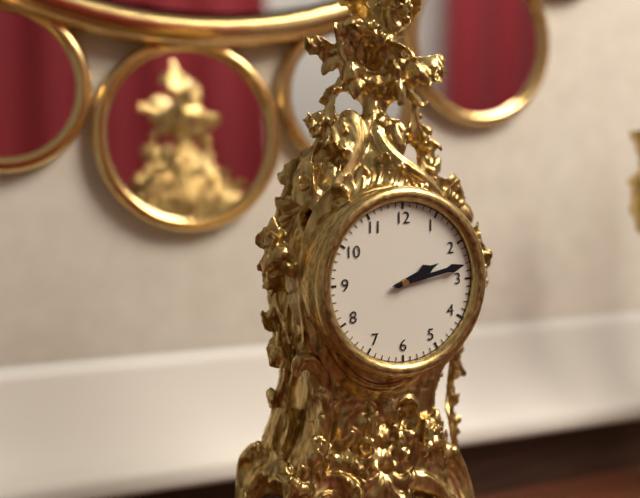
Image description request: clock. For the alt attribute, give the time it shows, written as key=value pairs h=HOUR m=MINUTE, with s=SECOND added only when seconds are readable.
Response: h=2 m=13
